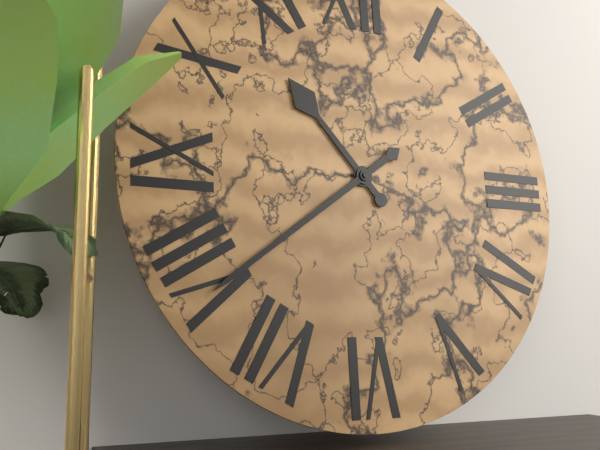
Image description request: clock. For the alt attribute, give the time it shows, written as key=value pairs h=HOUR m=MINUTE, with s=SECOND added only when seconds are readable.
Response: h=10 m=39
